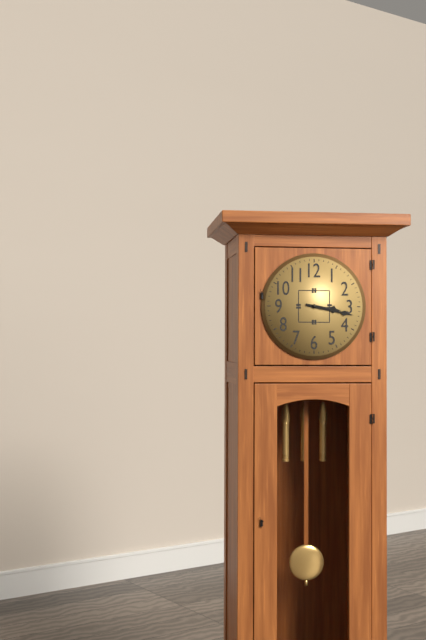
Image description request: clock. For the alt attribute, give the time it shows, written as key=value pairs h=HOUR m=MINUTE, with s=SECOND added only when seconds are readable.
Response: h=3 m=17
